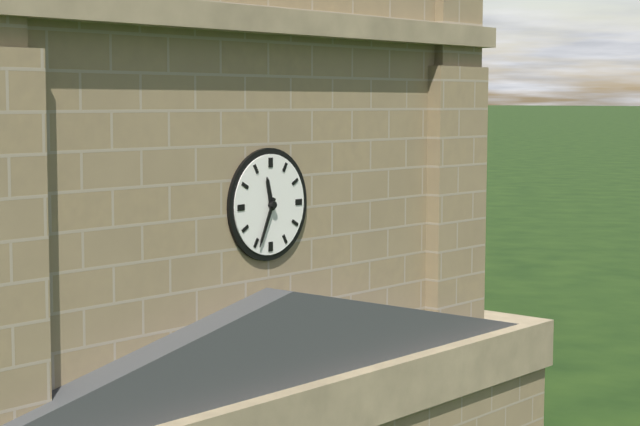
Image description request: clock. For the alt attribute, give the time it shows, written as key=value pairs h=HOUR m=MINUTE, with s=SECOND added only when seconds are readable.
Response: h=11 m=34
